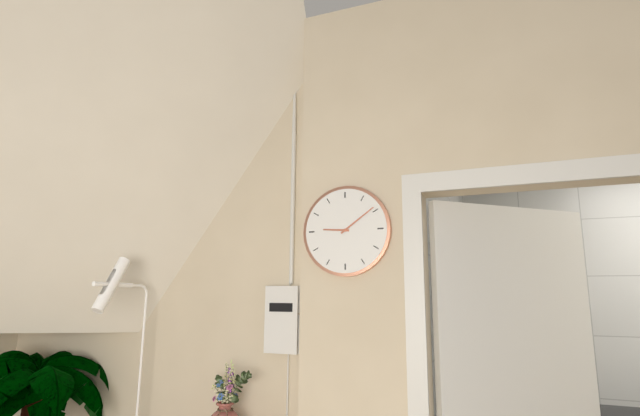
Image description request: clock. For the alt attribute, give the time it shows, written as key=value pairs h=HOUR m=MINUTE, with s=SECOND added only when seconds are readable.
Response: h=9 m=9
